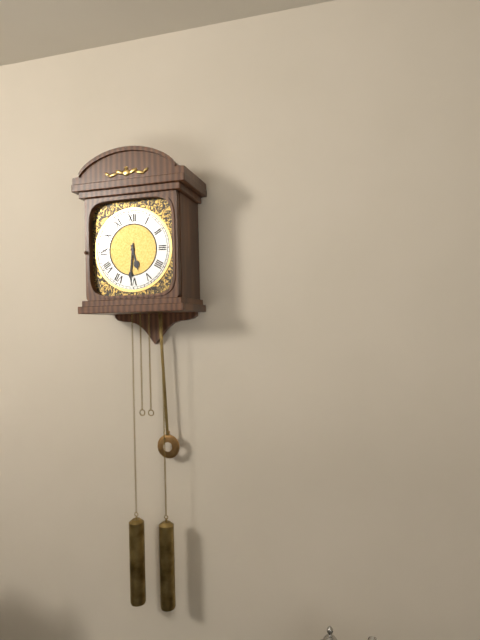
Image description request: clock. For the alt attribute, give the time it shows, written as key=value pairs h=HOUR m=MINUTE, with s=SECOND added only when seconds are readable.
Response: h=5 m=31
